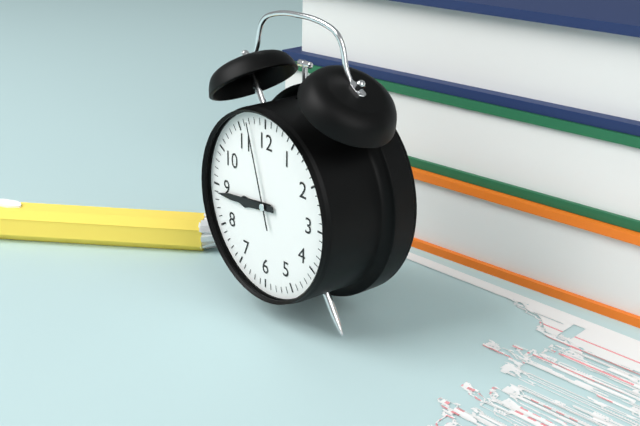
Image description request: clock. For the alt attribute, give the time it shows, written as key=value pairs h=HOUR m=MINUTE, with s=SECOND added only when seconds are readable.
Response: h=8 m=44 s=57
